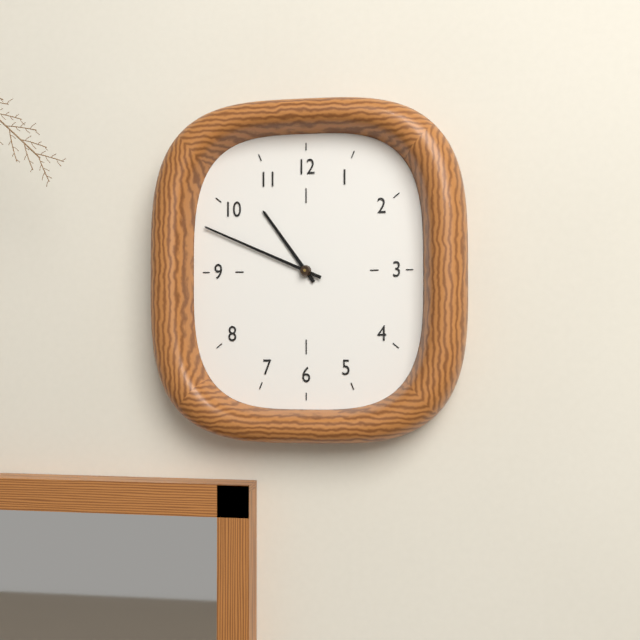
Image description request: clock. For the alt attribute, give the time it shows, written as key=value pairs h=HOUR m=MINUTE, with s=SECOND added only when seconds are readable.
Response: h=10 m=49
